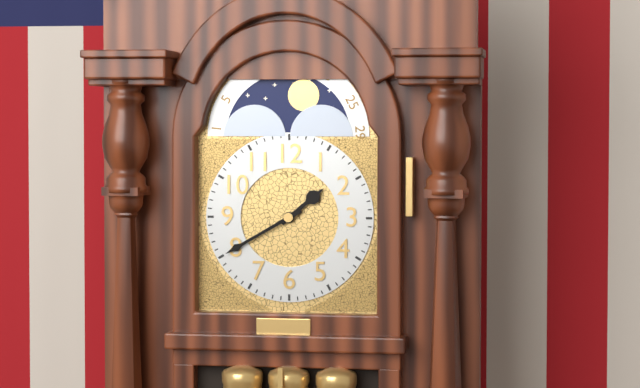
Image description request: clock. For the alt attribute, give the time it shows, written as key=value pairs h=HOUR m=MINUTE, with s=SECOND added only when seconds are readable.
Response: h=1 m=40
